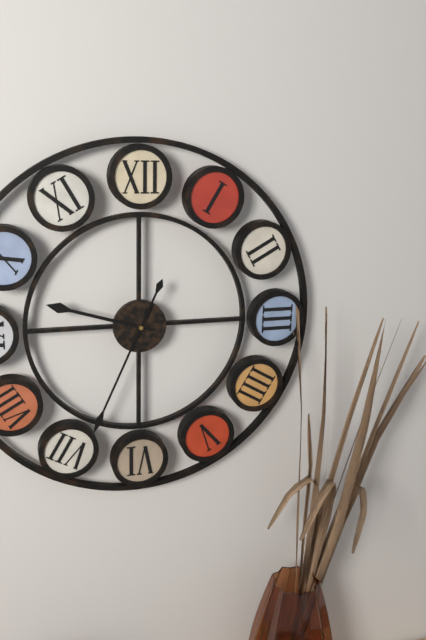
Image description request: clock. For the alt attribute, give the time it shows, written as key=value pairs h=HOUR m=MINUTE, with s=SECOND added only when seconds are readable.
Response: h=9 m=34
